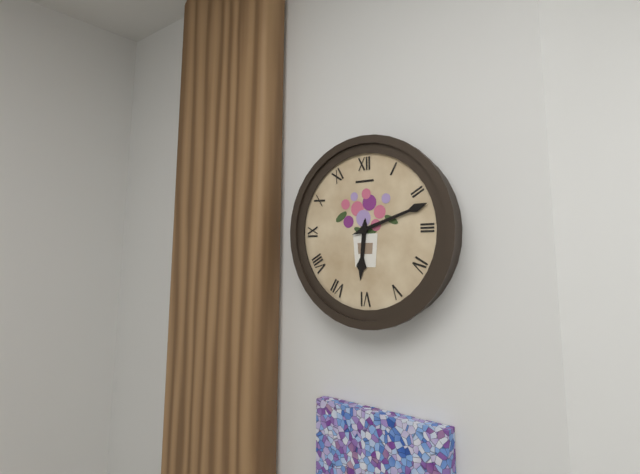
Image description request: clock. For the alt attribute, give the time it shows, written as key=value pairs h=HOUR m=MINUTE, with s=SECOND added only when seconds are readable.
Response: h=6 m=12
